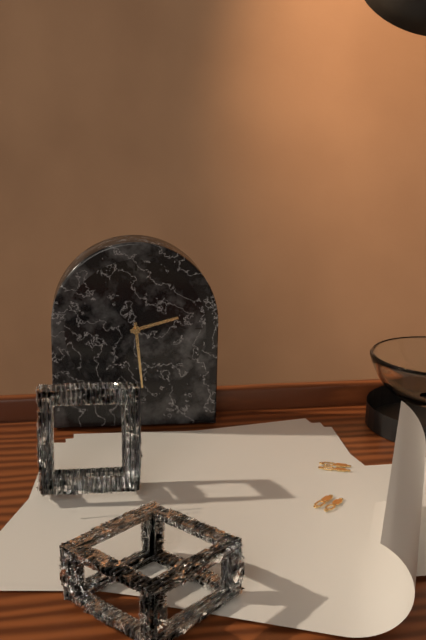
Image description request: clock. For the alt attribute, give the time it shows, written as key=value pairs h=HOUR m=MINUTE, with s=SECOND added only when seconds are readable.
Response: h=2 m=29
